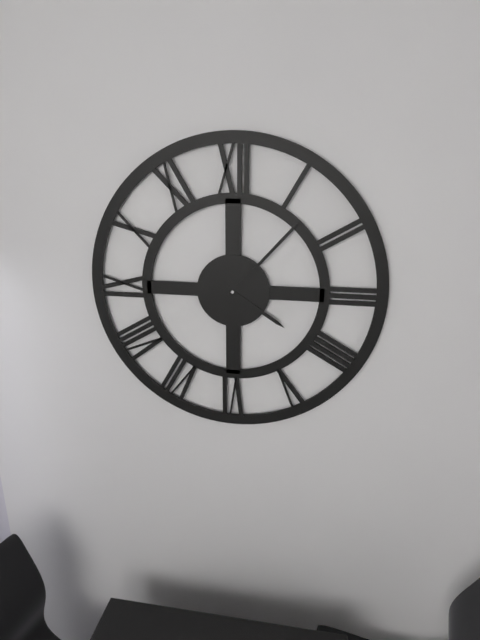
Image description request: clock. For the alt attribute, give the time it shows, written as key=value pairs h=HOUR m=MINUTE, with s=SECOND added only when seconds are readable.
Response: h=4 m=7
